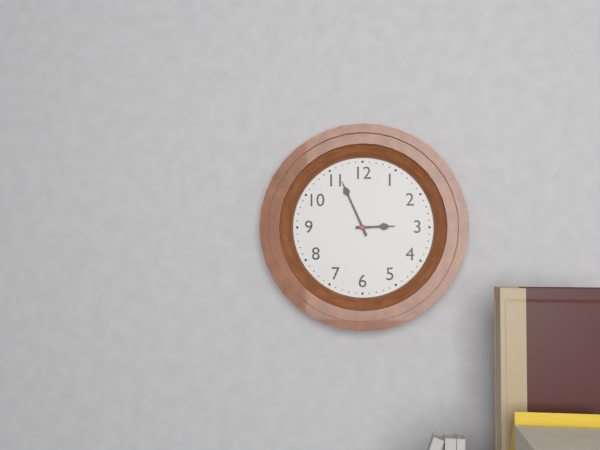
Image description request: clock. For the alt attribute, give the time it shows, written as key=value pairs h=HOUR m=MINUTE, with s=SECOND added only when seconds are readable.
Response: h=2 m=56
